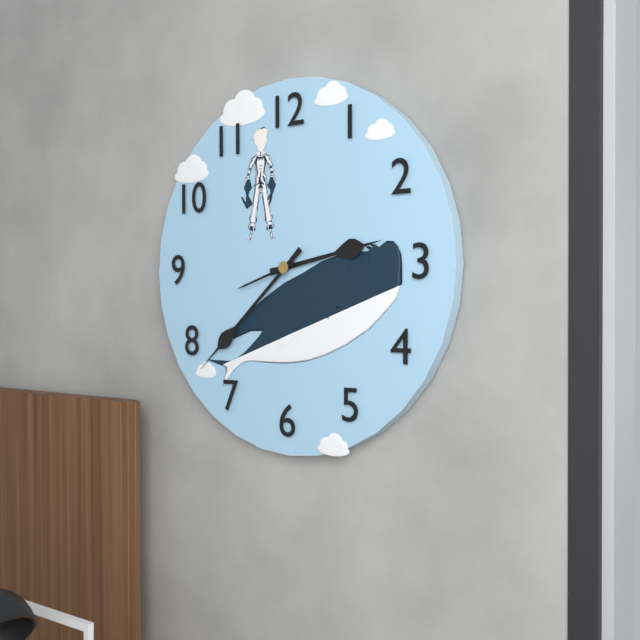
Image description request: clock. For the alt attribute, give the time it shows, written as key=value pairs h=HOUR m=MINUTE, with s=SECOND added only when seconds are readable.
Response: h=2 m=38 s=42
